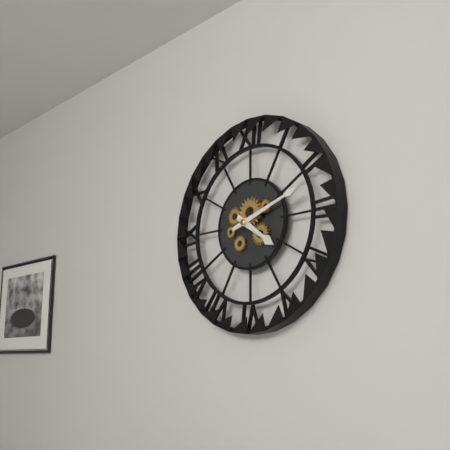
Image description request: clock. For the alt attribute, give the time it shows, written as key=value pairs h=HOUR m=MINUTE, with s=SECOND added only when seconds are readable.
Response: h=4 m=12
